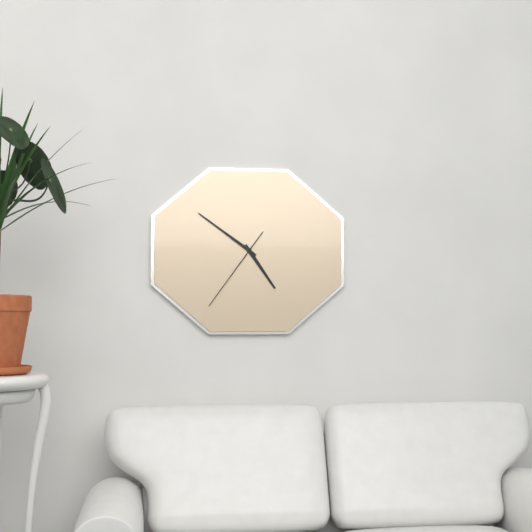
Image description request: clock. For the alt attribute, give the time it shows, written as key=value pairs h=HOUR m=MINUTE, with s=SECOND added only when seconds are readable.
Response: h=4 m=51 s=36
